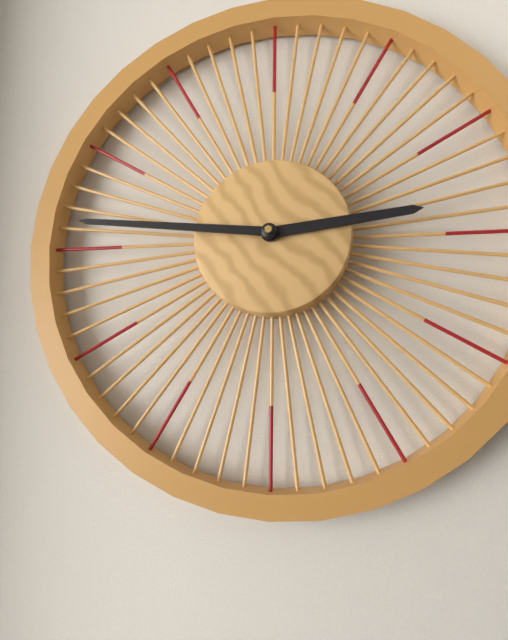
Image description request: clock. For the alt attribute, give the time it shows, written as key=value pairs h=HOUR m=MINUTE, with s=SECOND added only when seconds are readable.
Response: h=2 m=46
